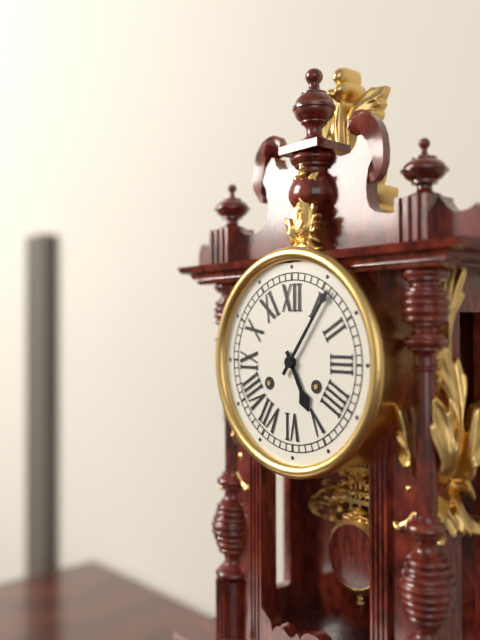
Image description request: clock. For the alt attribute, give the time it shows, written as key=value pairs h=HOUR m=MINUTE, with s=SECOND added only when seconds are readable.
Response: h=5 m=6
